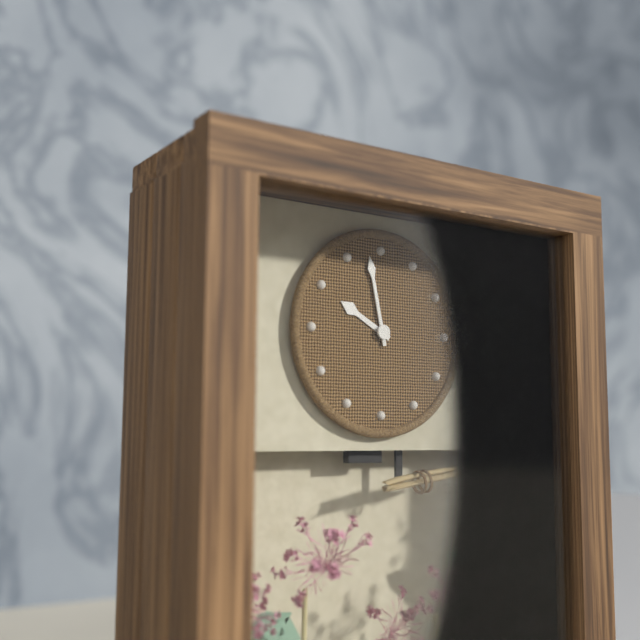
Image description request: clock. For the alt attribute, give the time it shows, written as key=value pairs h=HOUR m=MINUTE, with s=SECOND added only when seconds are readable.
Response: h=9 m=58
